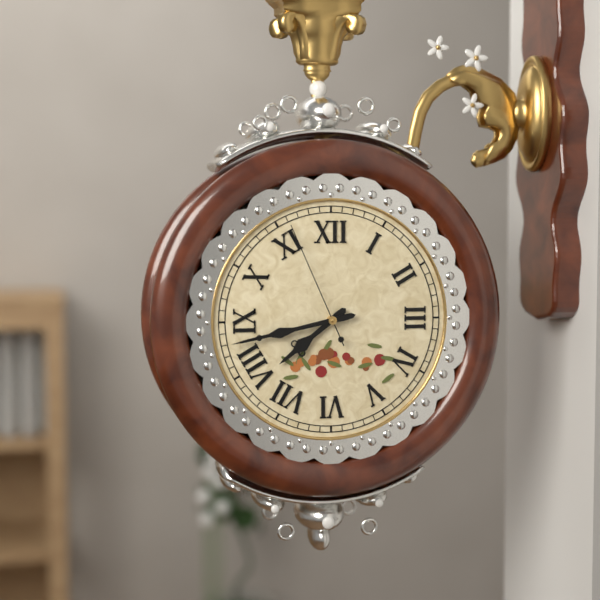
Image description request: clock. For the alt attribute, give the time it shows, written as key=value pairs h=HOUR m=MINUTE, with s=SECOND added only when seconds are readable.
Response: h=7 m=43 s=56
